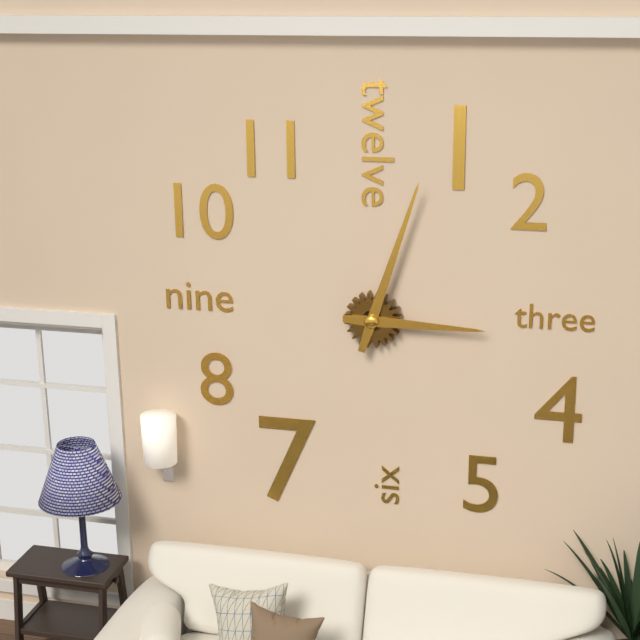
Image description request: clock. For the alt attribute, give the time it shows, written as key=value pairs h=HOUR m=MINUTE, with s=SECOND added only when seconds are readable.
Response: h=3 m=3
